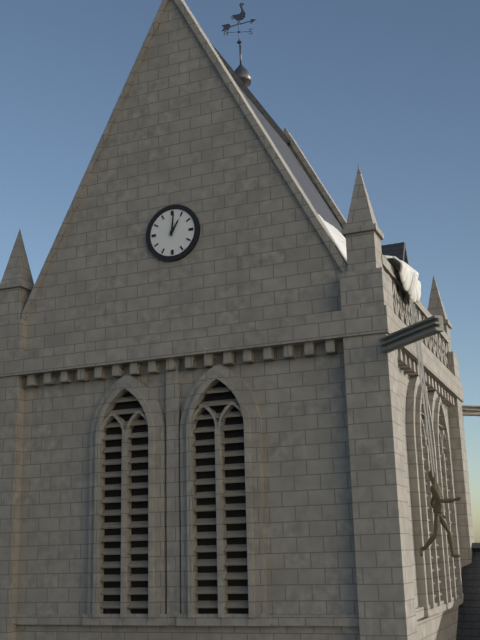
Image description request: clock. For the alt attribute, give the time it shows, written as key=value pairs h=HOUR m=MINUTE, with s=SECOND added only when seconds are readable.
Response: h=1 m=1
